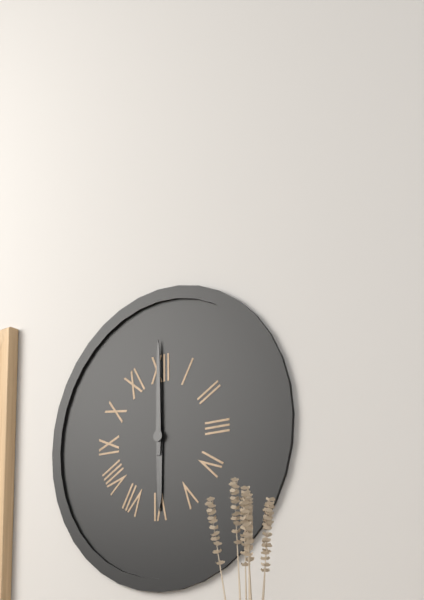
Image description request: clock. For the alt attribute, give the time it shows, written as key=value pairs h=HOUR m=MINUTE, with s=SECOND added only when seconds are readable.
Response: h=6 m=0
